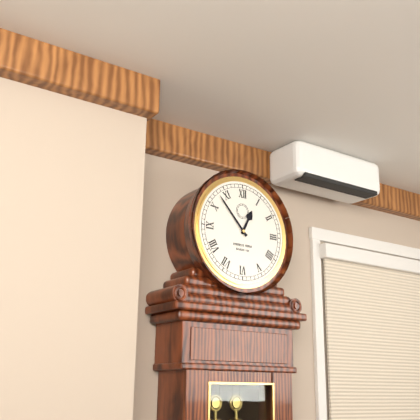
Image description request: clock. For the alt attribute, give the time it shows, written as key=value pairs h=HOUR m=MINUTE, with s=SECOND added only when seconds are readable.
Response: h=12 m=53
